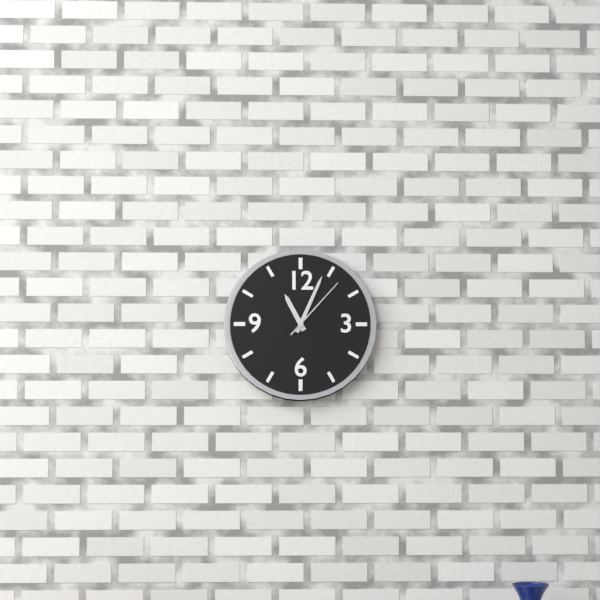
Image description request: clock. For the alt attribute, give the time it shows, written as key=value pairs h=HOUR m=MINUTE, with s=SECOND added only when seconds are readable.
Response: h=11 m=4 s=7
